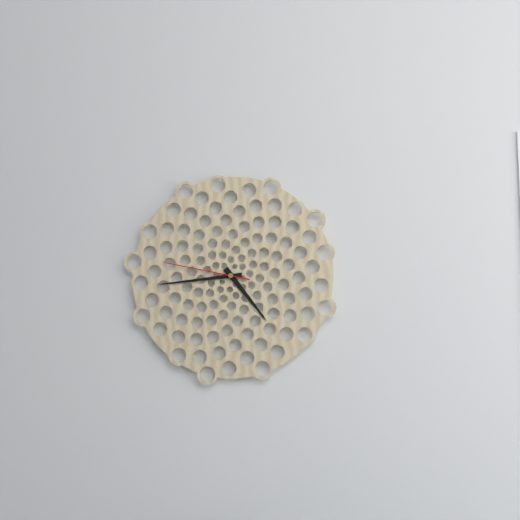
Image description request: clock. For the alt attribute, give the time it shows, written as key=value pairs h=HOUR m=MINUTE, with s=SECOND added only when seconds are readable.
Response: h=4 m=44 s=47
